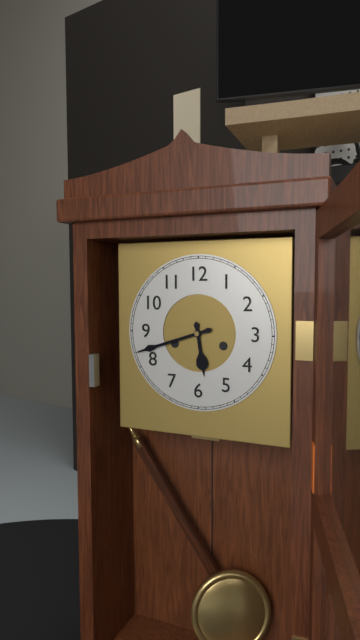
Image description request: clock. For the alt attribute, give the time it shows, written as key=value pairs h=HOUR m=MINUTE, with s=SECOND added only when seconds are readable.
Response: h=5 m=42
